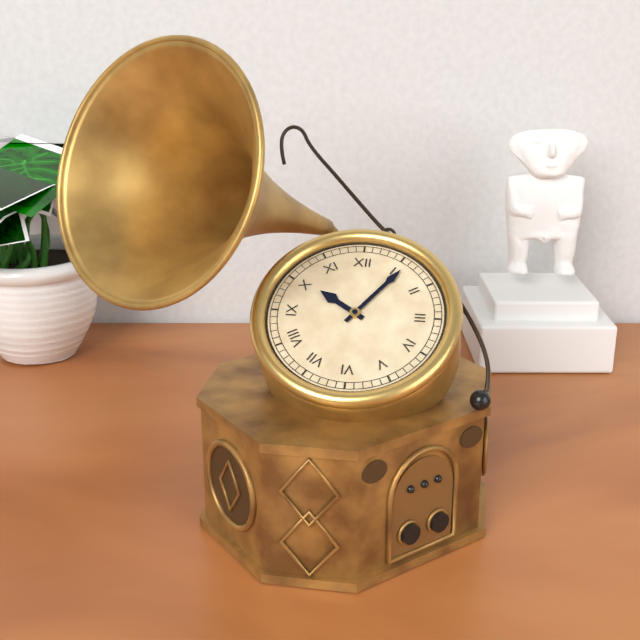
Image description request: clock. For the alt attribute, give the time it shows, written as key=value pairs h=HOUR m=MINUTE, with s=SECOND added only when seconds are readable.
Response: h=10 m=6
